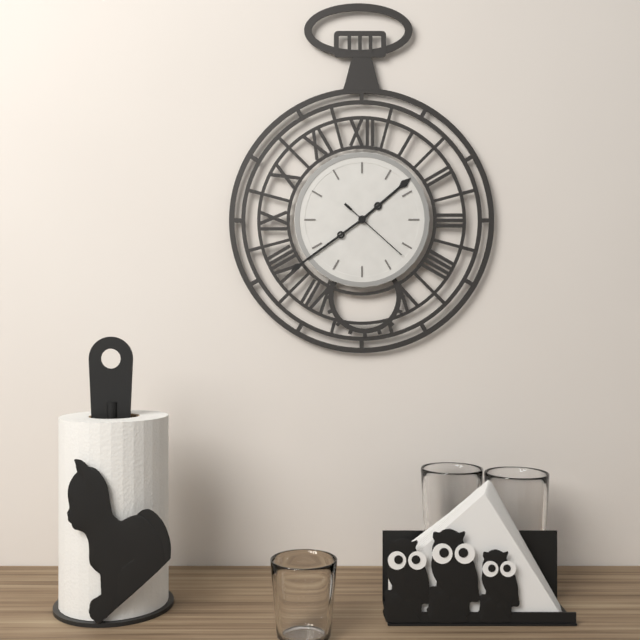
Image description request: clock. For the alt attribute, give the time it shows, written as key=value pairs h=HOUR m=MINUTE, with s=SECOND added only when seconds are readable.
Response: h=1 m=39 s=22
